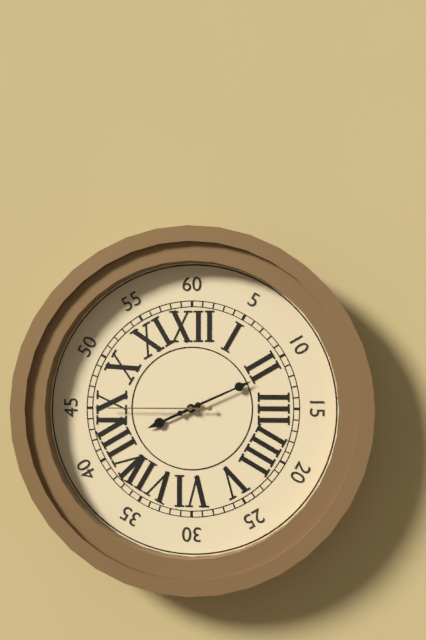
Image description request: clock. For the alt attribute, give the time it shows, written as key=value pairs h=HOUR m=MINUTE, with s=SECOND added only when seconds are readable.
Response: h=8 m=11 s=45
